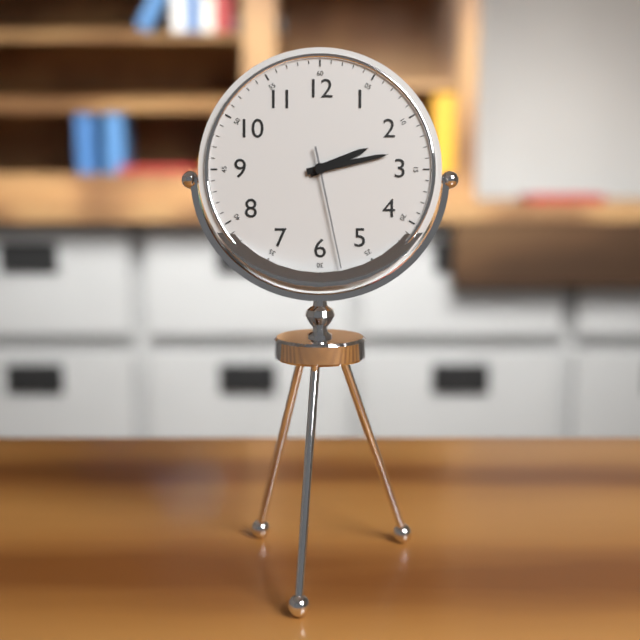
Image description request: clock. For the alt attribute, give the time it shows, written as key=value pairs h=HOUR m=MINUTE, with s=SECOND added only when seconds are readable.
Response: h=2 m=13 s=28
